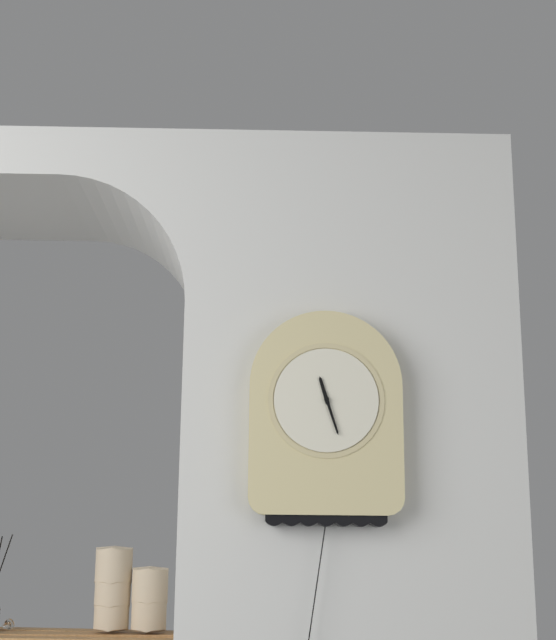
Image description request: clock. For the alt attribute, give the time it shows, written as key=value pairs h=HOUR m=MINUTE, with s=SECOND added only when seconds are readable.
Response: h=11 m=27
